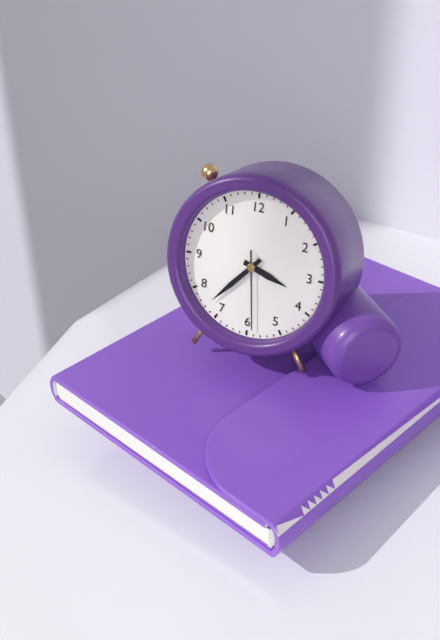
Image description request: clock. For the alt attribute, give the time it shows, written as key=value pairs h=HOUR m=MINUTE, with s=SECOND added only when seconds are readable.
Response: h=3 m=37 s=29
